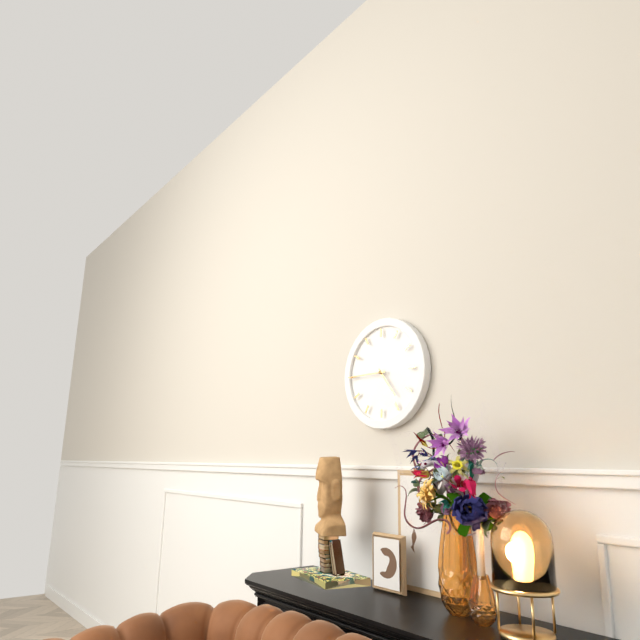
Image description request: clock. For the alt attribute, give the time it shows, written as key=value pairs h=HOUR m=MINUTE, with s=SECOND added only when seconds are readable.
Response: h=4 m=45
